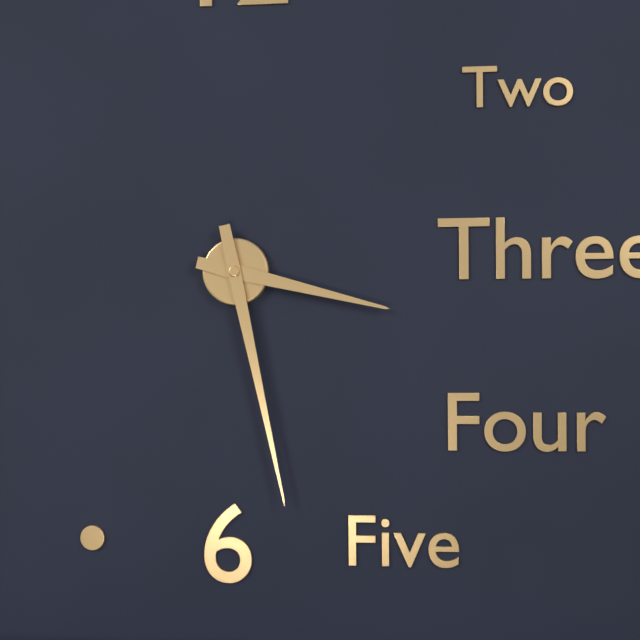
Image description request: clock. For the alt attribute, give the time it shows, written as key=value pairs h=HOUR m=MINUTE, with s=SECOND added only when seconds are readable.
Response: h=3 m=28
